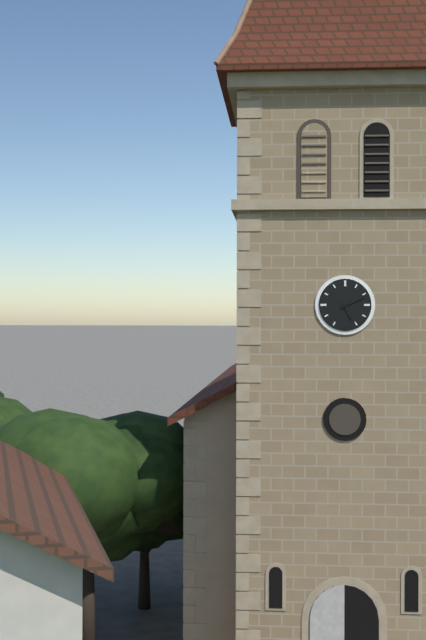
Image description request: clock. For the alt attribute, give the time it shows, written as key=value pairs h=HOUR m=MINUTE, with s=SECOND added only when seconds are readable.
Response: h=5 m=11
